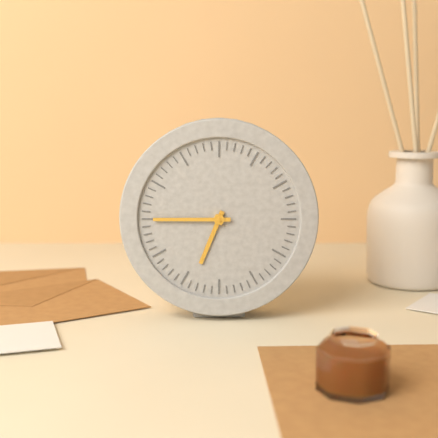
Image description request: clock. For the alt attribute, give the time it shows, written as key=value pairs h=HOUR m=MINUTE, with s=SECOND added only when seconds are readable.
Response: h=6 m=45
